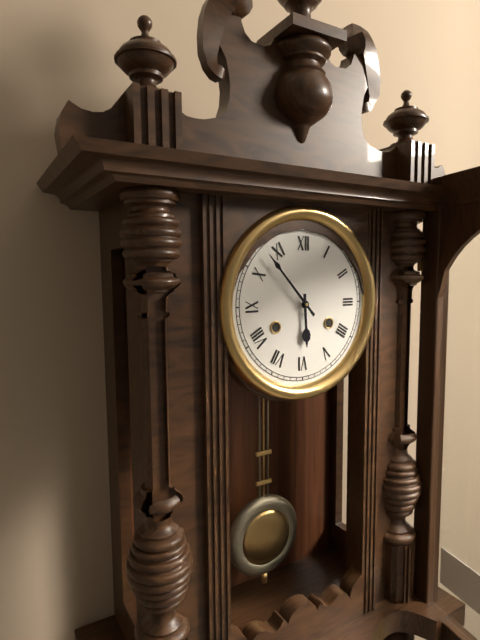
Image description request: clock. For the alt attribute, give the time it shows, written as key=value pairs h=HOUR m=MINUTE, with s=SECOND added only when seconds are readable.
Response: h=5 m=53
